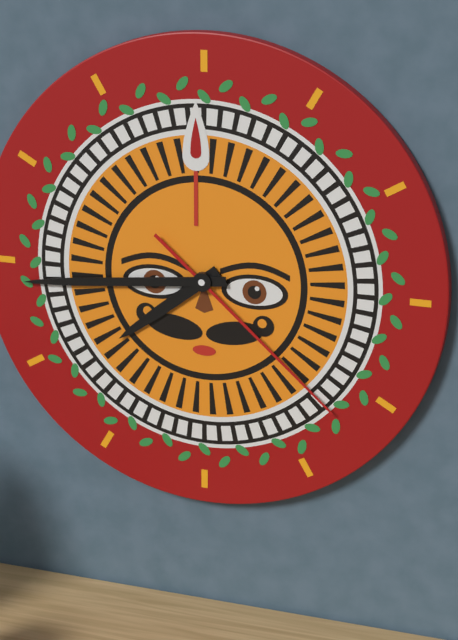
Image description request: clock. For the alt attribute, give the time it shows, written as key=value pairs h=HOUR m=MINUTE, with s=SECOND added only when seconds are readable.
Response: h=7 m=44 s=22
